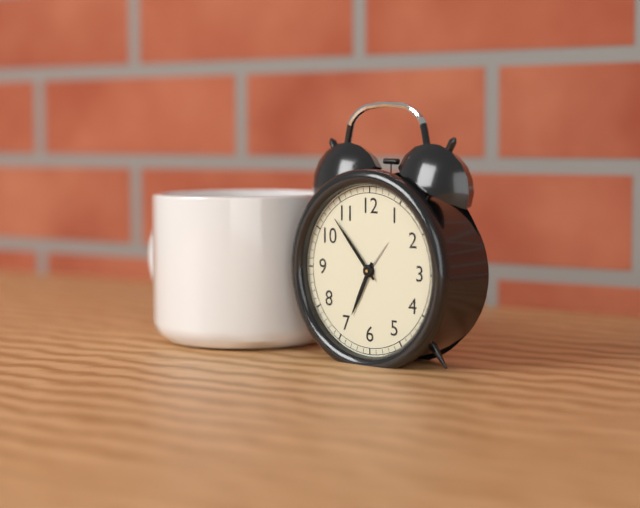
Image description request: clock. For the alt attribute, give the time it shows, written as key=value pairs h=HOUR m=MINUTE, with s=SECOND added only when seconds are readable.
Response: h=6 m=53
